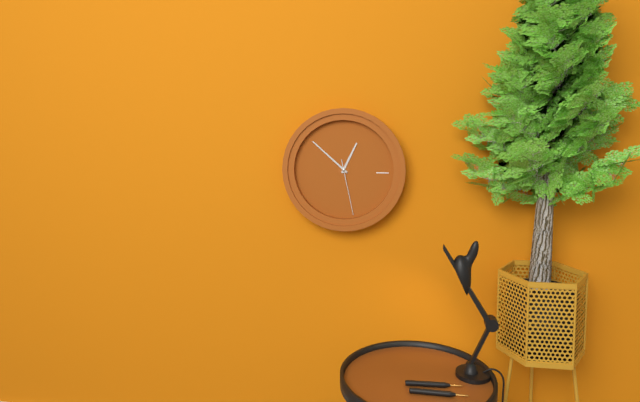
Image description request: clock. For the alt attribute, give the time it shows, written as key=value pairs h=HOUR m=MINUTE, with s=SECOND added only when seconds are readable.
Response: h=12 m=52 s=28
